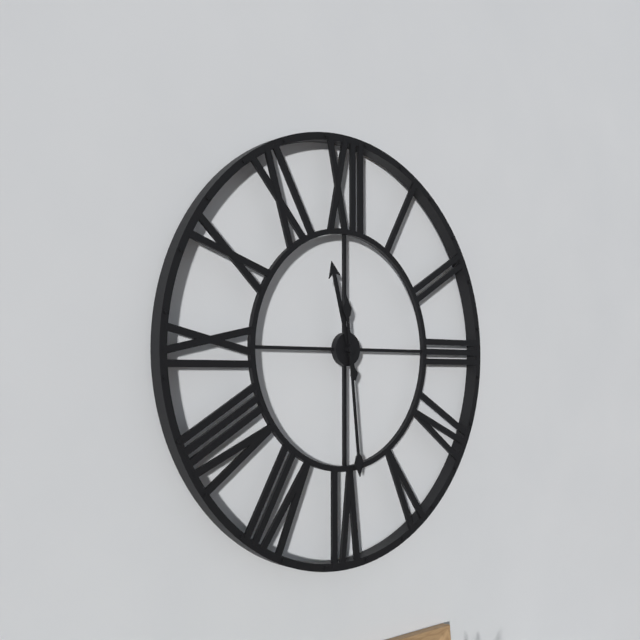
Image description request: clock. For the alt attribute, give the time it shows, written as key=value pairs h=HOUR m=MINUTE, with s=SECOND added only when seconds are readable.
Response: h=11 m=29
